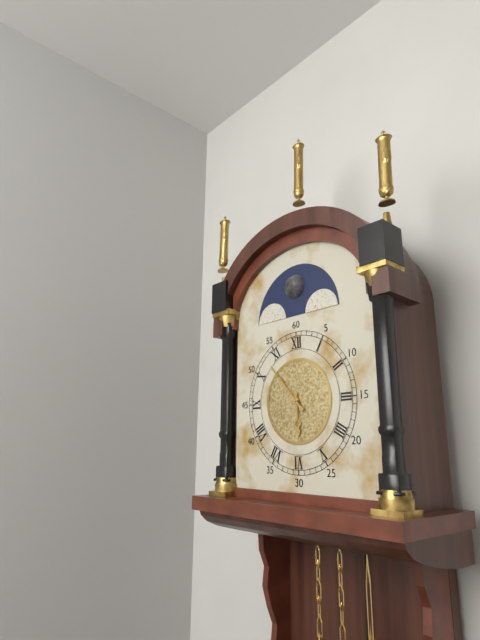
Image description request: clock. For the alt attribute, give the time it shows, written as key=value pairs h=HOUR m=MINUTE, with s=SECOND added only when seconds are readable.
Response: h=5 m=53
